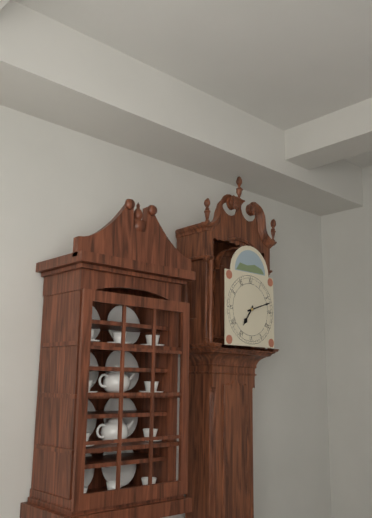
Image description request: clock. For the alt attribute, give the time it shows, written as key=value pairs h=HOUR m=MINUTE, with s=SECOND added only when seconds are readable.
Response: h=7 m=12
